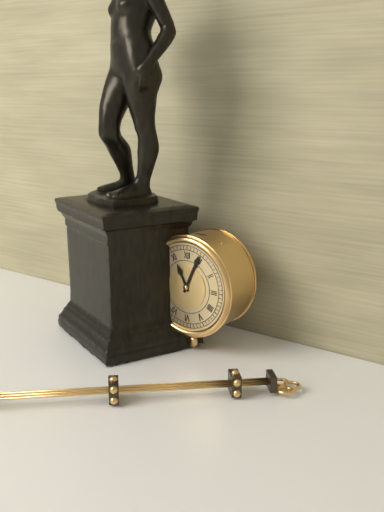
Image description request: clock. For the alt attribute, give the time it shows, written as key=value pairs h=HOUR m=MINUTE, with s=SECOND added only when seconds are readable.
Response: h=11 m=4
